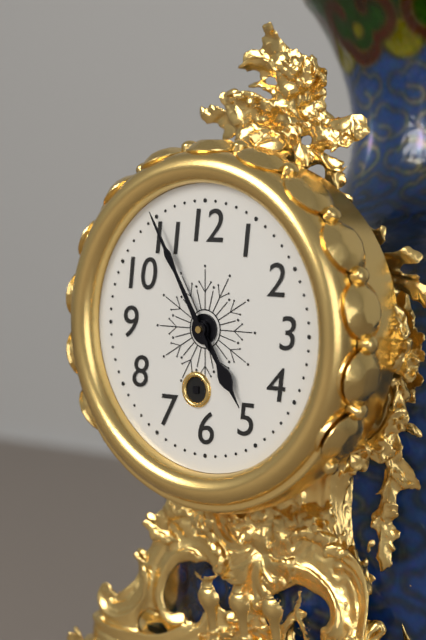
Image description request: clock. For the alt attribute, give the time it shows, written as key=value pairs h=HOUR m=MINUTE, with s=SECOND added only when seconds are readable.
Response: h=4 m=55
